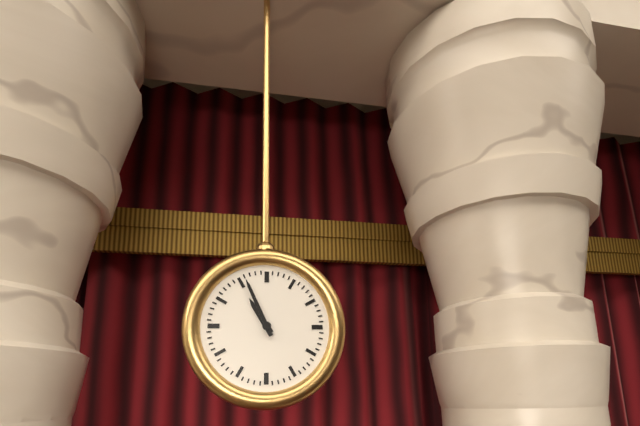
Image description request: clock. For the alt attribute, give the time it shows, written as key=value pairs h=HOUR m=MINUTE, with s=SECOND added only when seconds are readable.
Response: h=10 m=56
